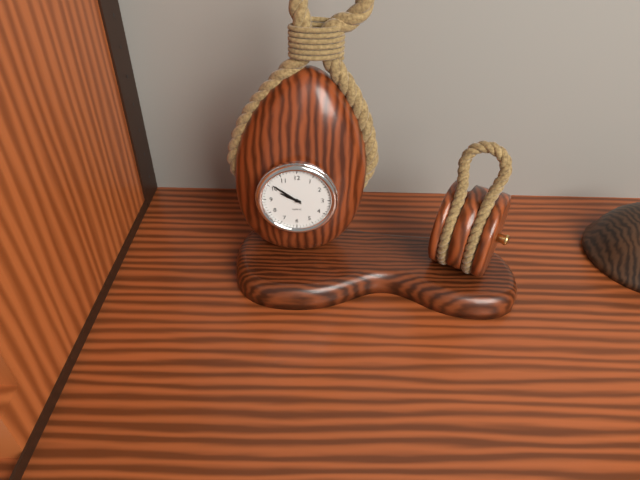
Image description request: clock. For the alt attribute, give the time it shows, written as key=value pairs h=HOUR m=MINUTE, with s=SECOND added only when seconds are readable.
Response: h=9 m=51
